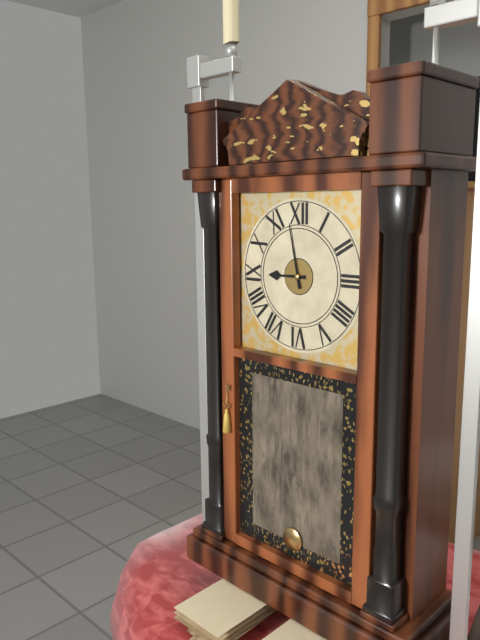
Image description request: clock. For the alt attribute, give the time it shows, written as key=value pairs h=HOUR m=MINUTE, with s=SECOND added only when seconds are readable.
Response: h=8 m=58
